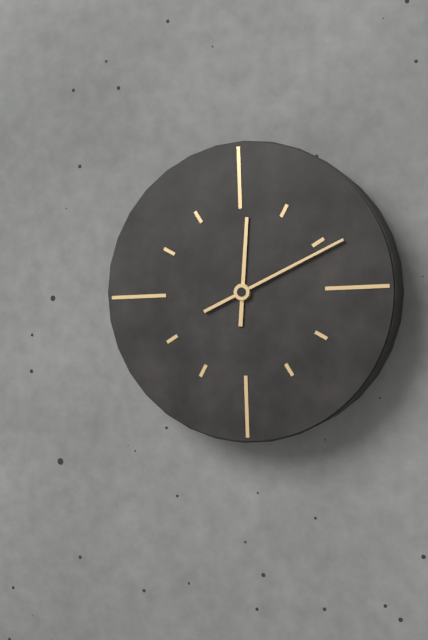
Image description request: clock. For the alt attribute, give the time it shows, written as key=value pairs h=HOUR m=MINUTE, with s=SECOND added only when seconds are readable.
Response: h=12 m=11
